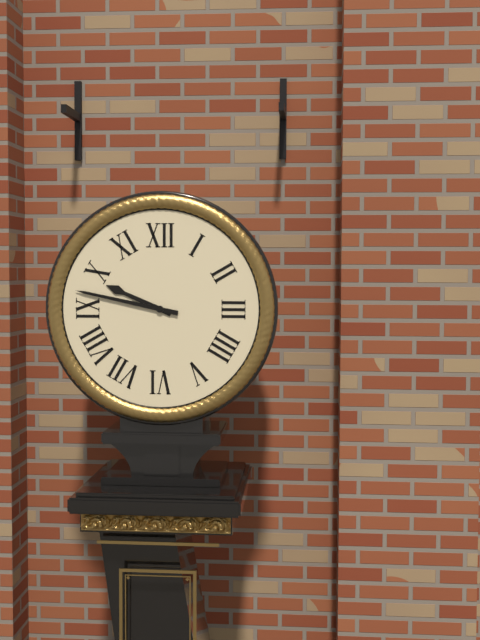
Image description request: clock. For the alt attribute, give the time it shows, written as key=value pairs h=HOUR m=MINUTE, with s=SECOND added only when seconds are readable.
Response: h=9 m=47
